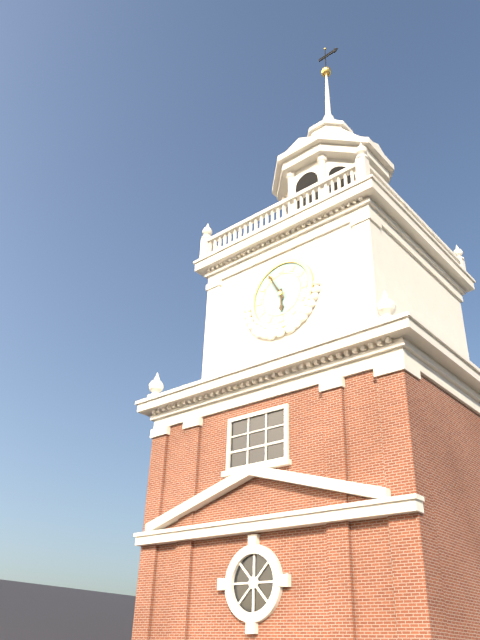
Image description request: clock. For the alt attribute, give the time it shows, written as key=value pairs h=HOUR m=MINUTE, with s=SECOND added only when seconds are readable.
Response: h=5 m=55
